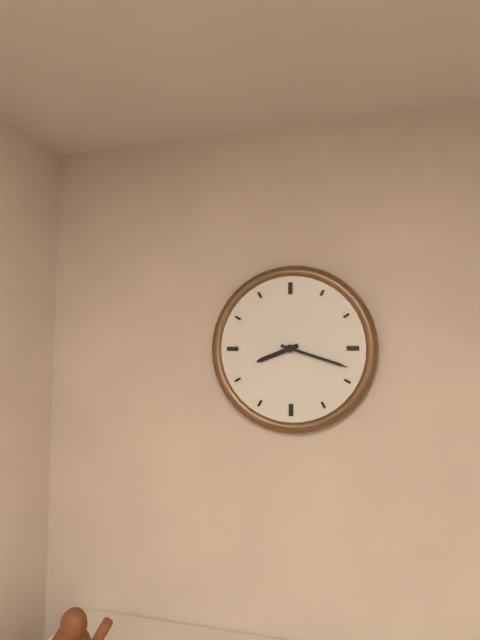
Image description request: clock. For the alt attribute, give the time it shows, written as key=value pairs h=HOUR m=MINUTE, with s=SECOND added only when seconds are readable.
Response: h=8 m=18
